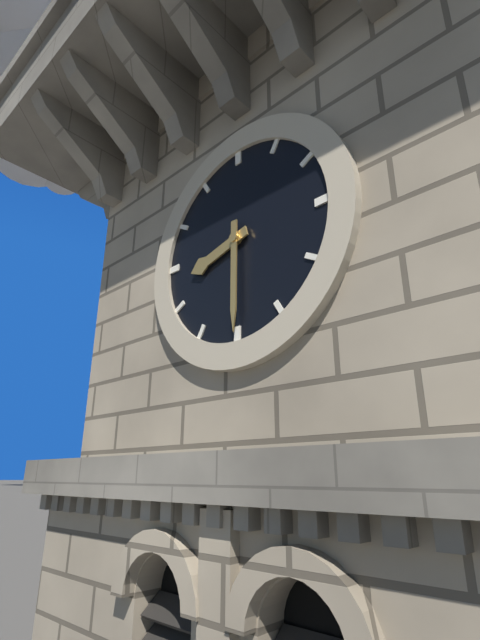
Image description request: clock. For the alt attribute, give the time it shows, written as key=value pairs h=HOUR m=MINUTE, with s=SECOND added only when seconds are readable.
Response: h=8 m=30
